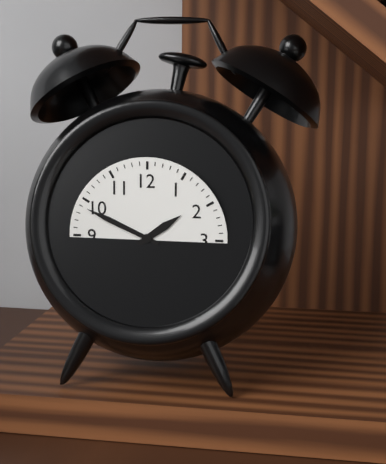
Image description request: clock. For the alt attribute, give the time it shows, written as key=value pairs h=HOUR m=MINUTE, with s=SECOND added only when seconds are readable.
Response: h=1 m=49
